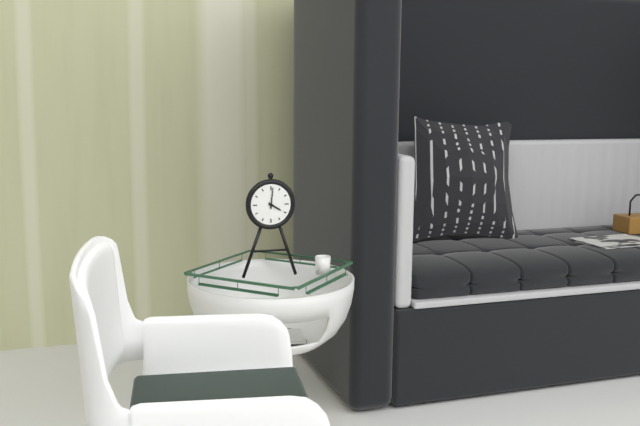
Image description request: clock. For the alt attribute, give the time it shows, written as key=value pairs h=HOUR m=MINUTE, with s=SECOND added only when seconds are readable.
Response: h=4 m=1
